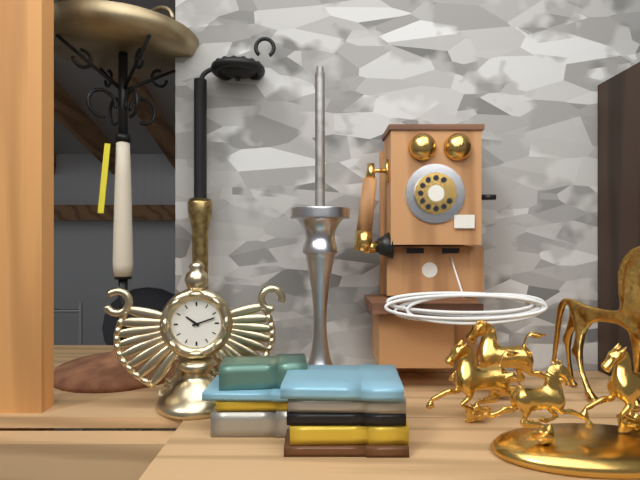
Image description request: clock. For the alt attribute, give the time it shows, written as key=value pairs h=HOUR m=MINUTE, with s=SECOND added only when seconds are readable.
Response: h=10 m=12
